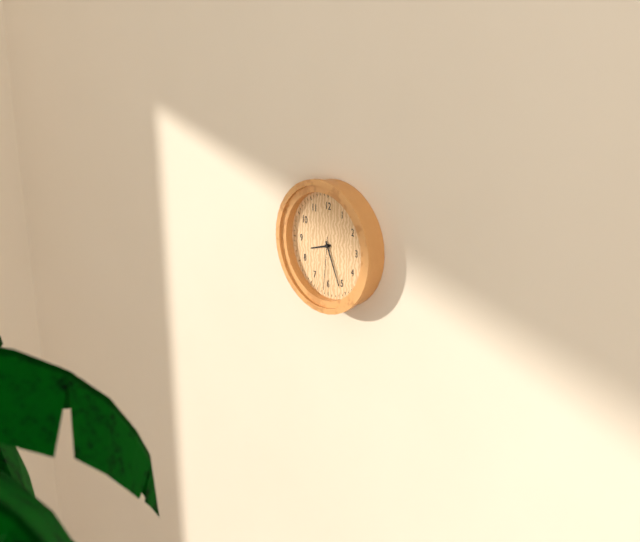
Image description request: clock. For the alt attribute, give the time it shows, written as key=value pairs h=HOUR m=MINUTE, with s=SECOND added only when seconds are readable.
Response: h=8 m=26 s=31
